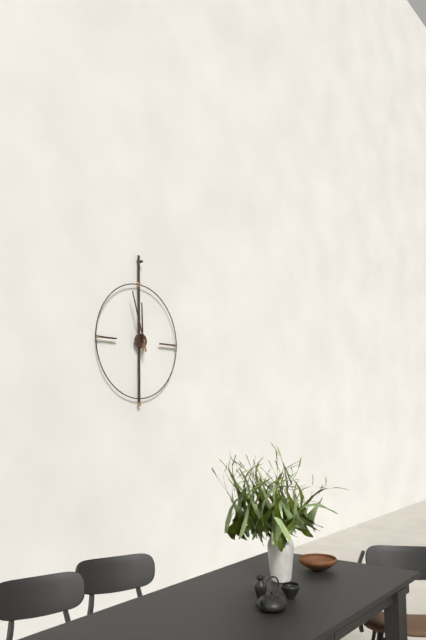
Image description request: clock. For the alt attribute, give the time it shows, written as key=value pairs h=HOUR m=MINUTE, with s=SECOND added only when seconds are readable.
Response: h=11 m=57
